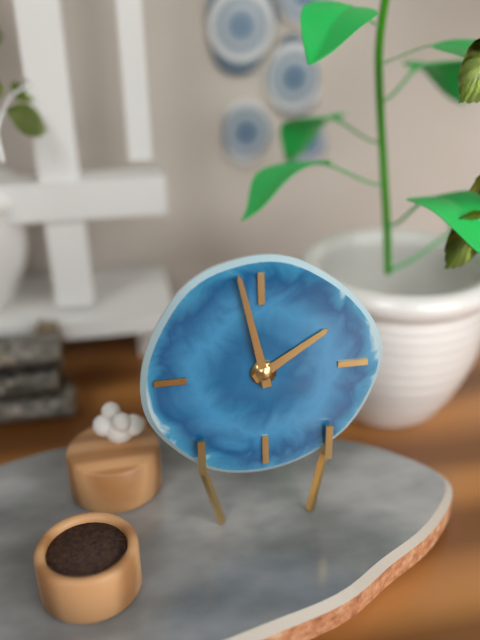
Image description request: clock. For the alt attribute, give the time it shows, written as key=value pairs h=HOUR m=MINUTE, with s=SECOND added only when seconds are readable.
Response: h=1 m=58
